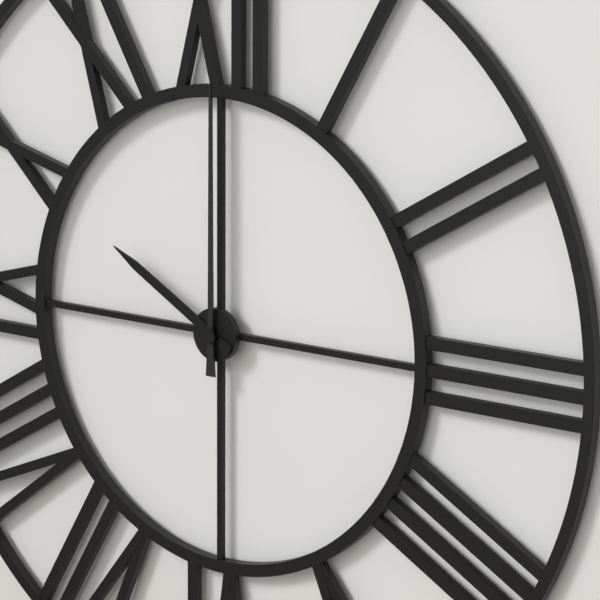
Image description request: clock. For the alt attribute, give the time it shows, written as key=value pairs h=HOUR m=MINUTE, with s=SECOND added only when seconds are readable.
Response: h=10 m=0
